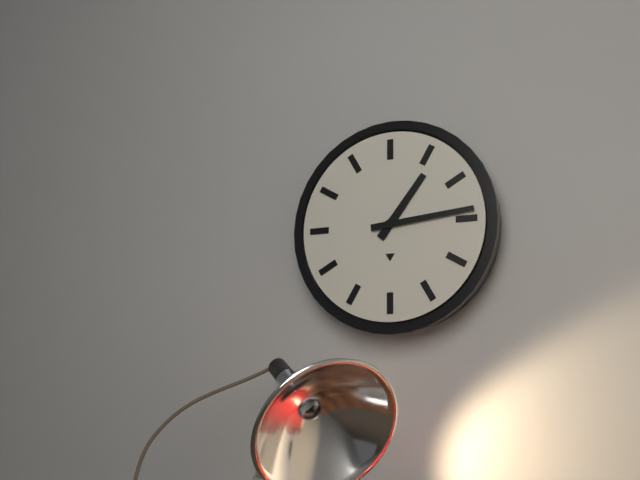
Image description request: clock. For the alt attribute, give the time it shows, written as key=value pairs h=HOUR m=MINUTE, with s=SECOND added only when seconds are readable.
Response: h=1 m=14
